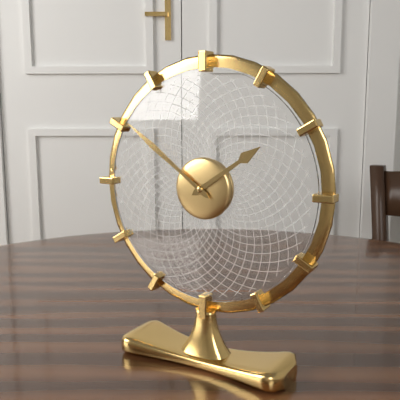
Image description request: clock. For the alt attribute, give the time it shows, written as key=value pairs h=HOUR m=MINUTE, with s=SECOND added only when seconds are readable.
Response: h=1 m=51
